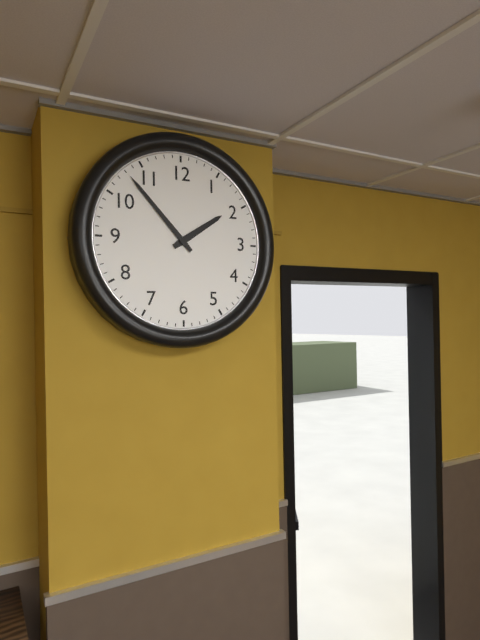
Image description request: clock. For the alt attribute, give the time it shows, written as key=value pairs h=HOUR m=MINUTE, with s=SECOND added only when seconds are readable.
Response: h=1 m=53
